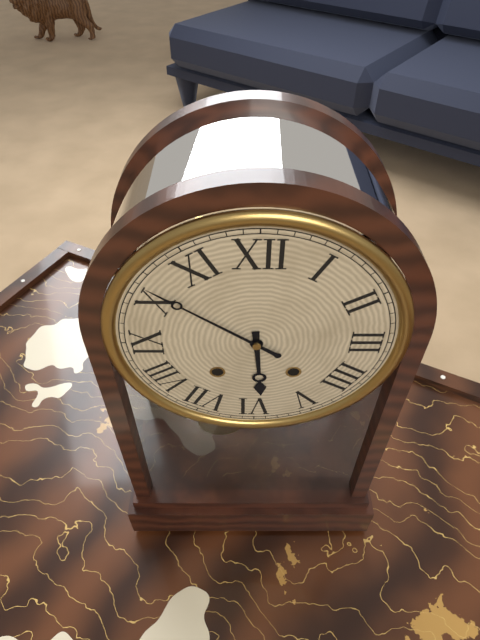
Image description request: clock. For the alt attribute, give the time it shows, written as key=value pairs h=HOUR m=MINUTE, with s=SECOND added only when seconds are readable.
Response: h=5 m=51
